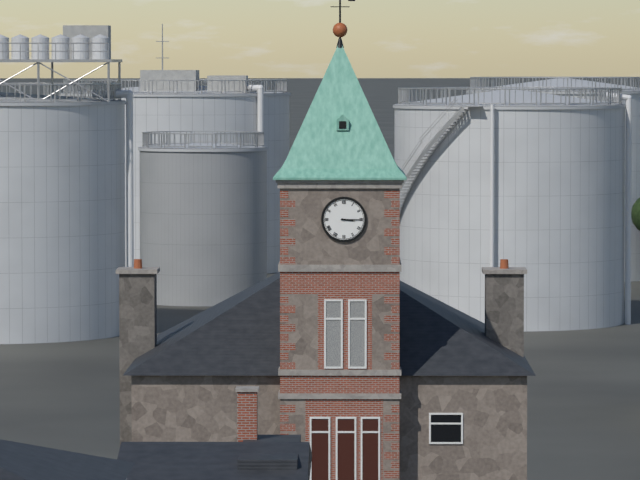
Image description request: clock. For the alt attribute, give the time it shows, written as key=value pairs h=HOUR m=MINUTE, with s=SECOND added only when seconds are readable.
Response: h=3 m=15
